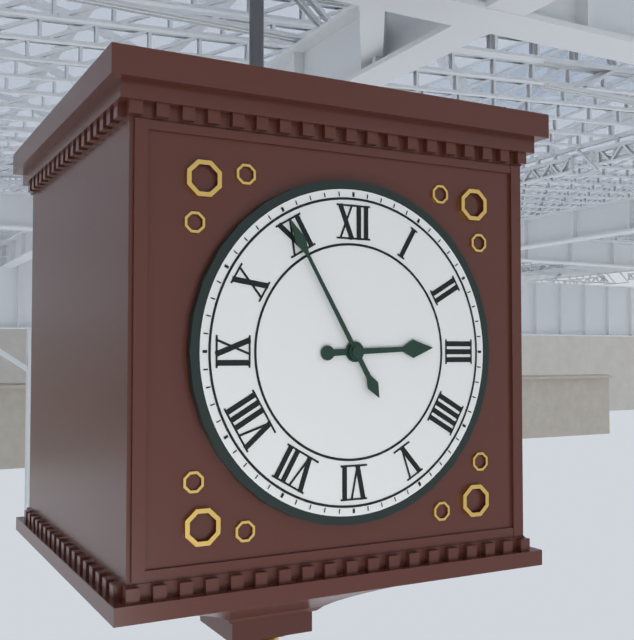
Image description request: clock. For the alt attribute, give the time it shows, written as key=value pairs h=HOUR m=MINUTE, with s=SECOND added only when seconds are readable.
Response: h=2 m=55
